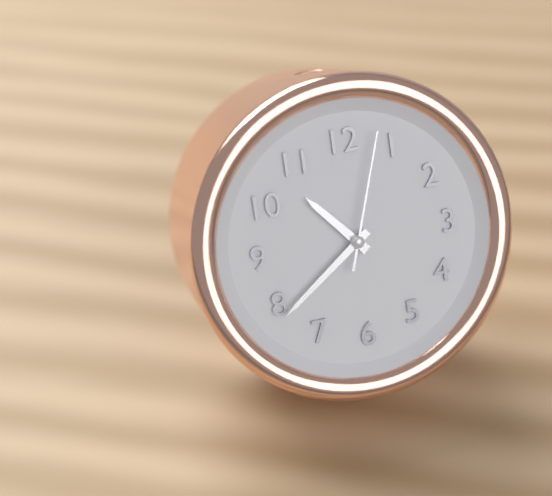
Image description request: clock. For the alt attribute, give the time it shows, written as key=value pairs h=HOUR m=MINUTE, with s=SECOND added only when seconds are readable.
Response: h=10 m=39 s=3
